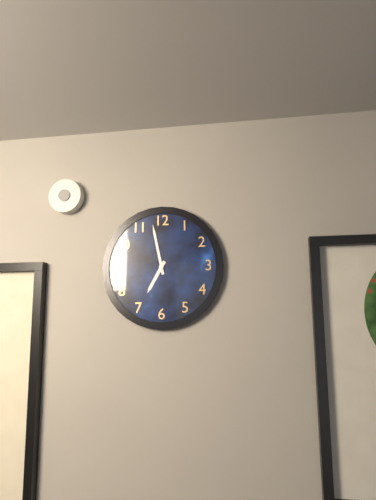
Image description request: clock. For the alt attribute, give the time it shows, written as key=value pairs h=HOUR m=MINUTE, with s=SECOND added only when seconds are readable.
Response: h=6 m=58
